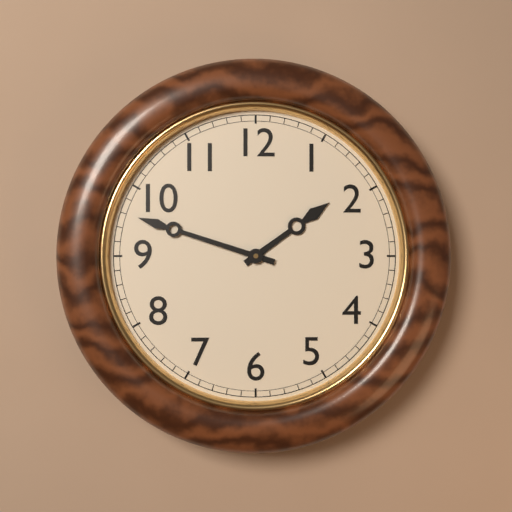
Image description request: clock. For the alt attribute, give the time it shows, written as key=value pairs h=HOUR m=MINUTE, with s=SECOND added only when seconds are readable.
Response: h=1 m=48
